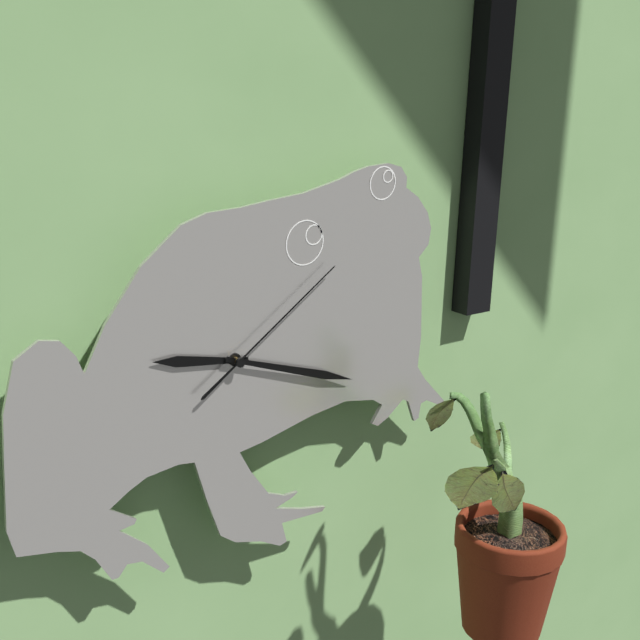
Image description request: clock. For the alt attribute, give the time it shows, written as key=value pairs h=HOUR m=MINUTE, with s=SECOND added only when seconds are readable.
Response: h=9 m=18 s=9
